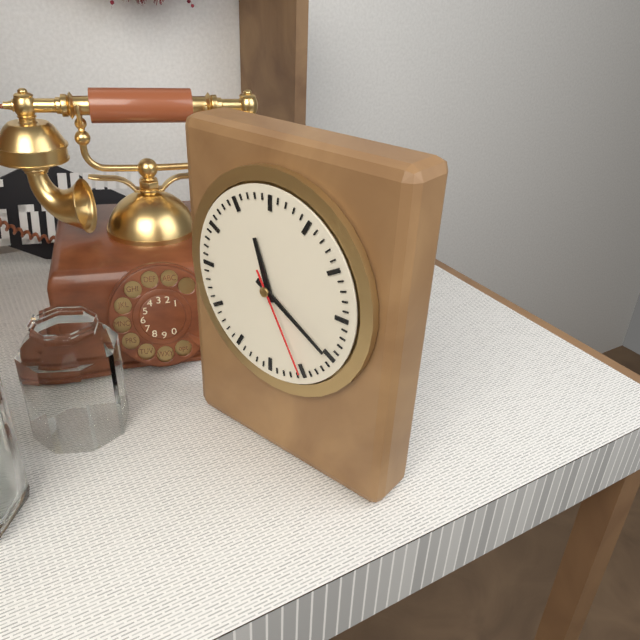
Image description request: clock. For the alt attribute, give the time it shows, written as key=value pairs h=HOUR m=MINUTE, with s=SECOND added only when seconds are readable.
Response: h=11 m=20 s=25
